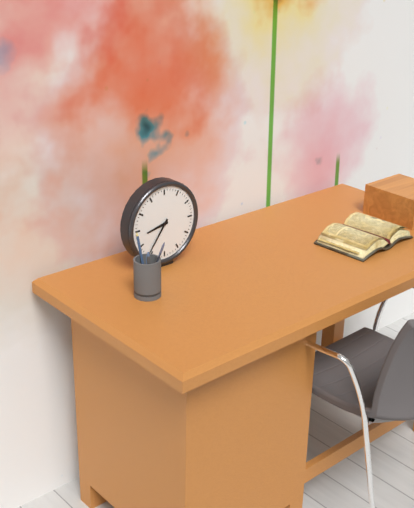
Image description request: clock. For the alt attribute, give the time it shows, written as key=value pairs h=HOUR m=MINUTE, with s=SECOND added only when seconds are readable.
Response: h=8 m=36
